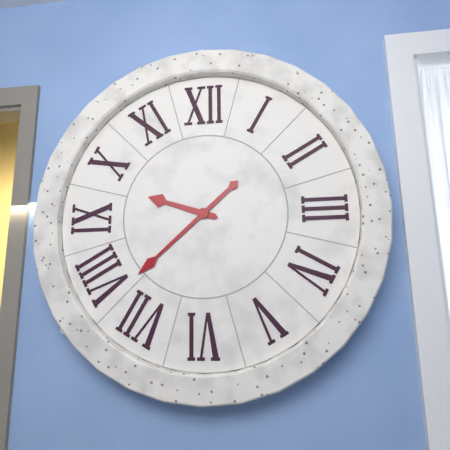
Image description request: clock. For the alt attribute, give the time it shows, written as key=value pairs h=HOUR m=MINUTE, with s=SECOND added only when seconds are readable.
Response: h=9 m=38
